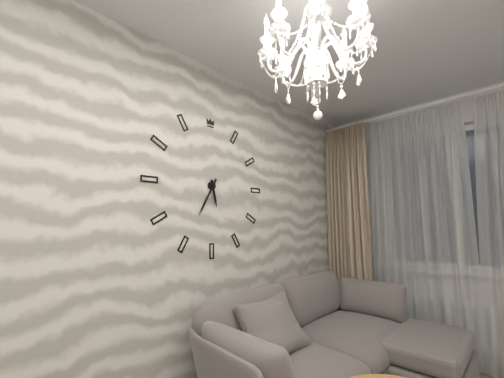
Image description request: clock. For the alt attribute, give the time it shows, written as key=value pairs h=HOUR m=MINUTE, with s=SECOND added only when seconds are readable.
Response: h=5 m=35
